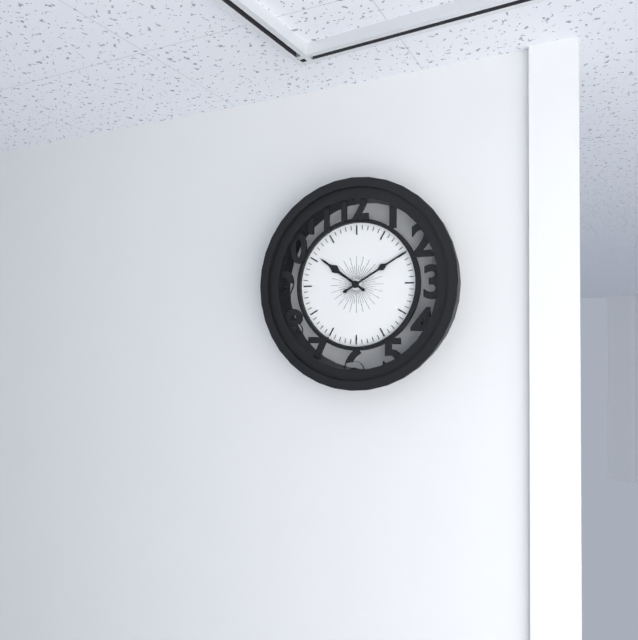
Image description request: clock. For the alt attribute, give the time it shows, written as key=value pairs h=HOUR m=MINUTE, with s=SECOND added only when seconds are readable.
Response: h=10 m=10
